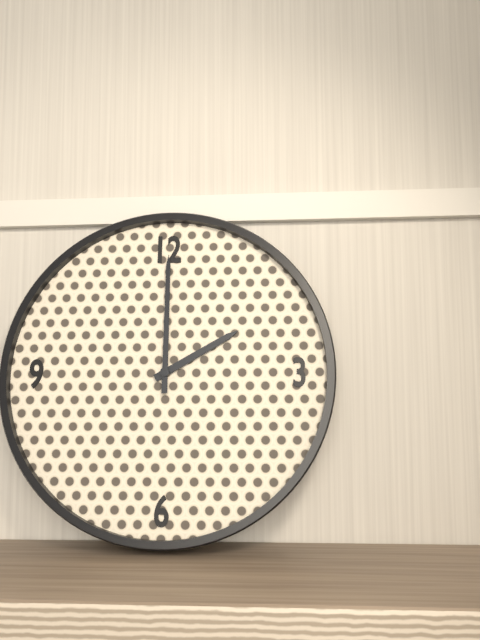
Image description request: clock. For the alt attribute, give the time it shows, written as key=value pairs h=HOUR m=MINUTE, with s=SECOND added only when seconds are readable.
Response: h=2 m=0
